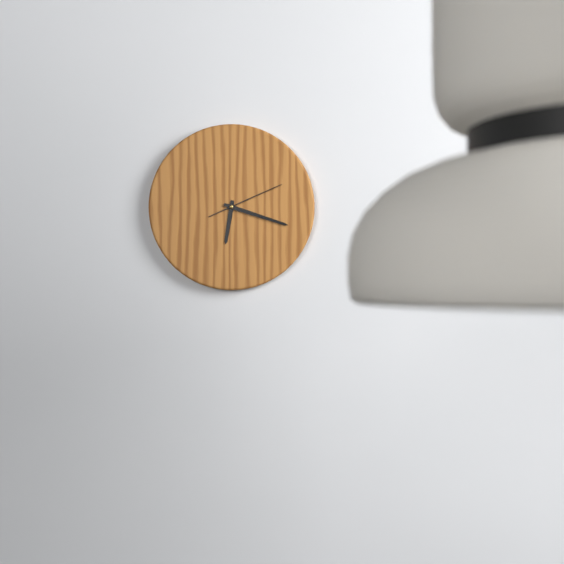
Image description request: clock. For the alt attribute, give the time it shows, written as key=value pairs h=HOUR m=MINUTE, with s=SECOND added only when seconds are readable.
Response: h=6 m=18 s=11
